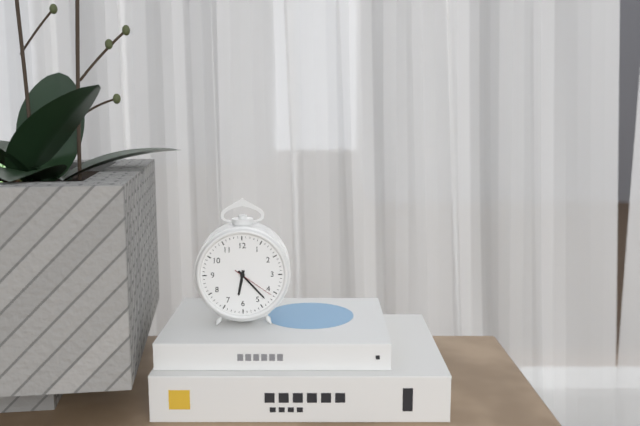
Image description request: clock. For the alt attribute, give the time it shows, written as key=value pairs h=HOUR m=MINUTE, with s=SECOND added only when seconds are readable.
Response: h=6 m=23
